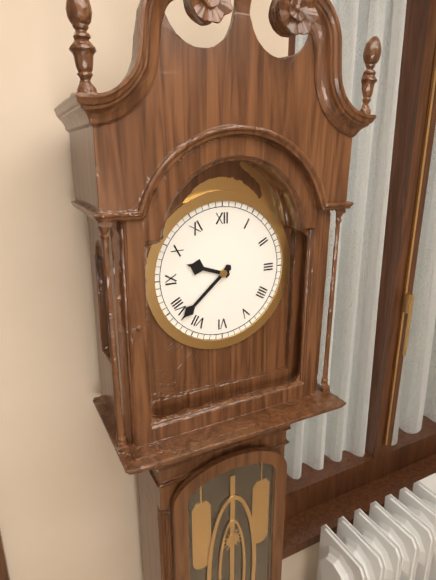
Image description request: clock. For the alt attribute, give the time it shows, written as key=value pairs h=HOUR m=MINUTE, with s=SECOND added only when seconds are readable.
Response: h=9 m=38
